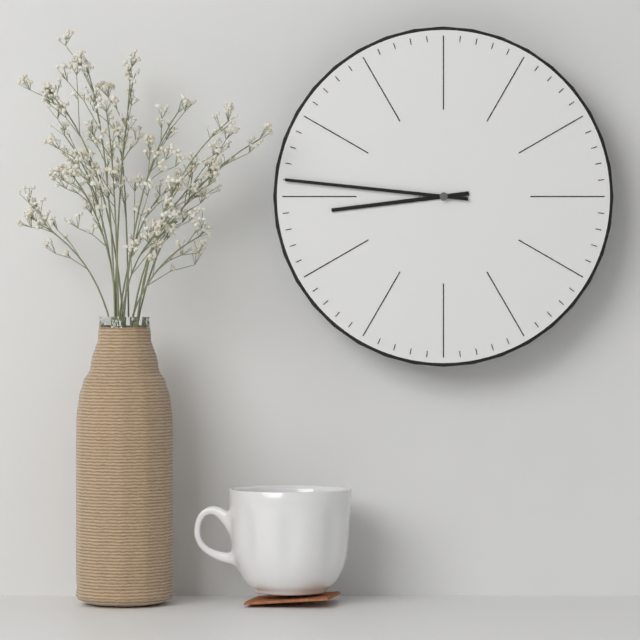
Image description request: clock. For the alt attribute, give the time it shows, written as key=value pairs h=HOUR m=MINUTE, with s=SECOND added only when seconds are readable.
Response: h=8 m=46
